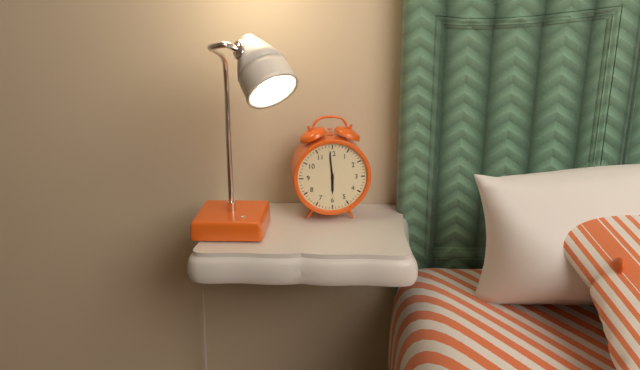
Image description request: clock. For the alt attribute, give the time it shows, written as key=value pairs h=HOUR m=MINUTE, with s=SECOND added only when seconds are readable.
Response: h=5 m=59
